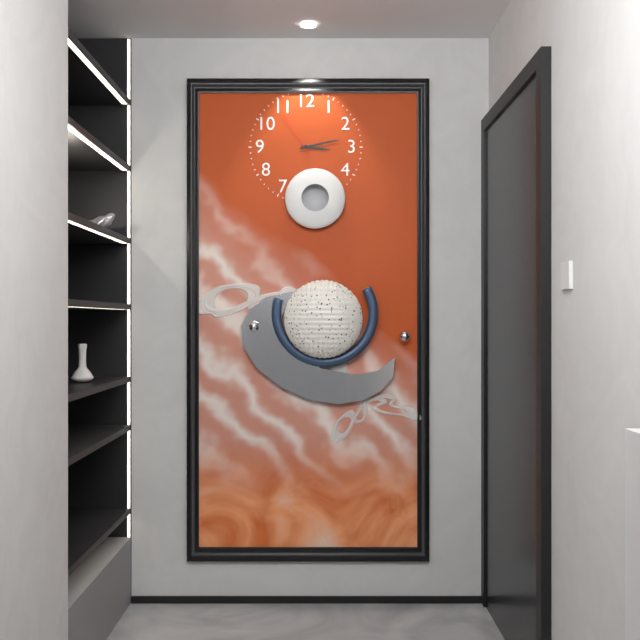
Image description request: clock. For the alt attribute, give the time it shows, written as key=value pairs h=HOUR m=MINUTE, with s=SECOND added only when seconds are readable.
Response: h=3 m=13 s=54
